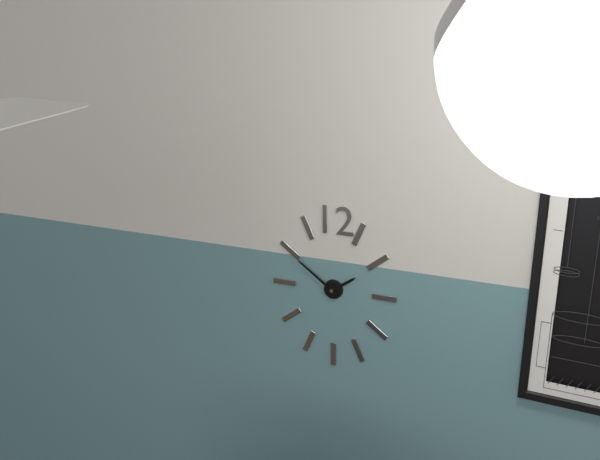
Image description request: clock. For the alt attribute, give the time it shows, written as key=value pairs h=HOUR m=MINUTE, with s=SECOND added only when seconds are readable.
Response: h=1 m=51
